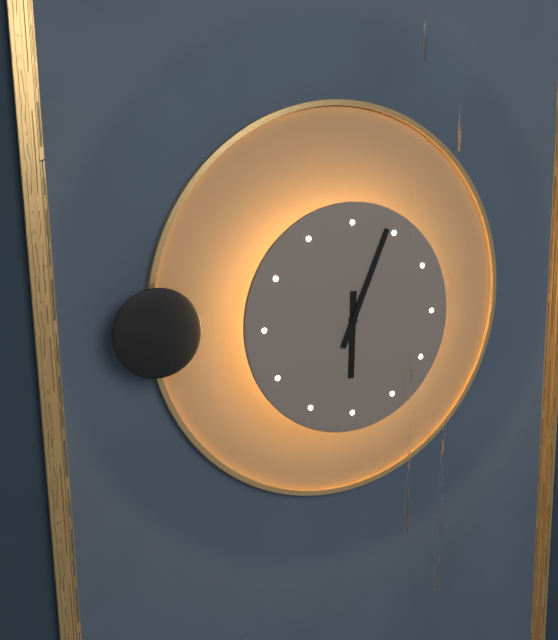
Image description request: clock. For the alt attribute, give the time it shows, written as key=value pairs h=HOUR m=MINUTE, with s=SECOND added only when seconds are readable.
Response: h=6 m=4
